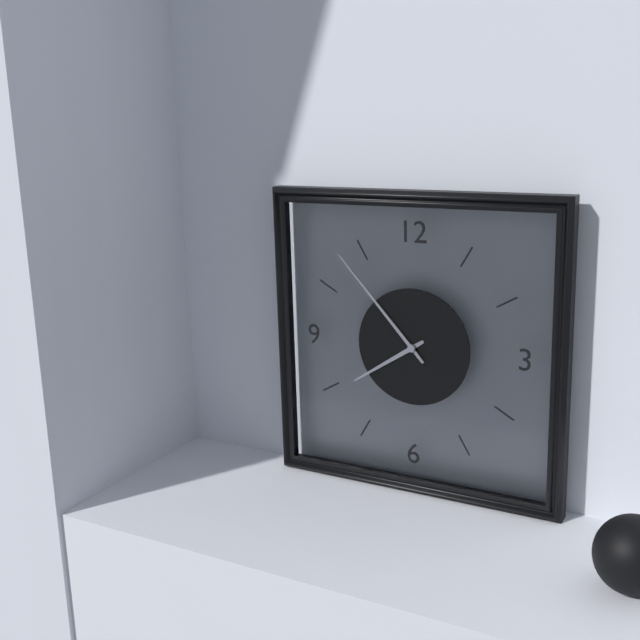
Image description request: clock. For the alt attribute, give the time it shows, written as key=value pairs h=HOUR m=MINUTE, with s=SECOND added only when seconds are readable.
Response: h=7 m=53
